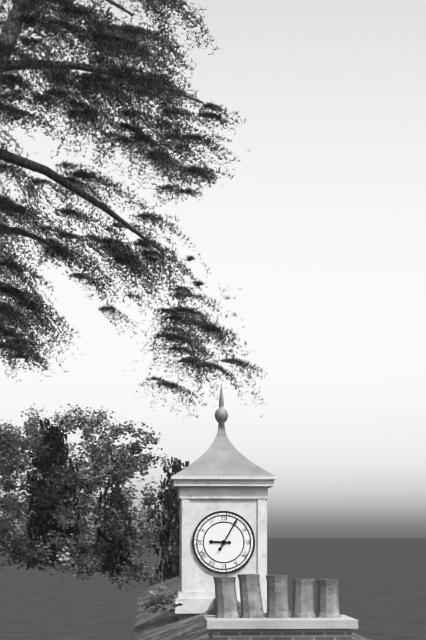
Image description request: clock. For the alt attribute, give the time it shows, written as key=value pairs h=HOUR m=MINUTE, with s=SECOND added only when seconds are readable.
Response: h=9 m=5
